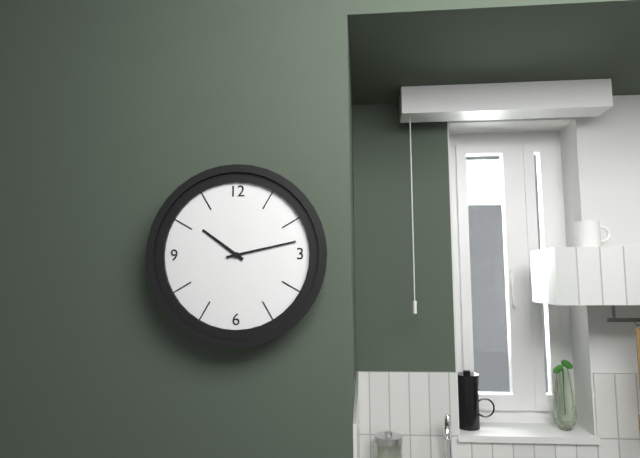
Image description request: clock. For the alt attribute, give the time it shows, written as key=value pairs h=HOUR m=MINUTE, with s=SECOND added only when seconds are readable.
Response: h=10 m=13
